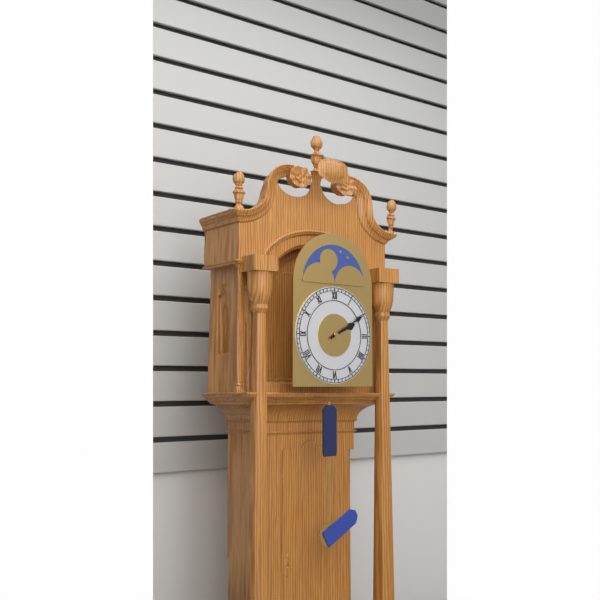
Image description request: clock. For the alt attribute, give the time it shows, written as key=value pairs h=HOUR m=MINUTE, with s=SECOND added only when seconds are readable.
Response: h=2 m=10
